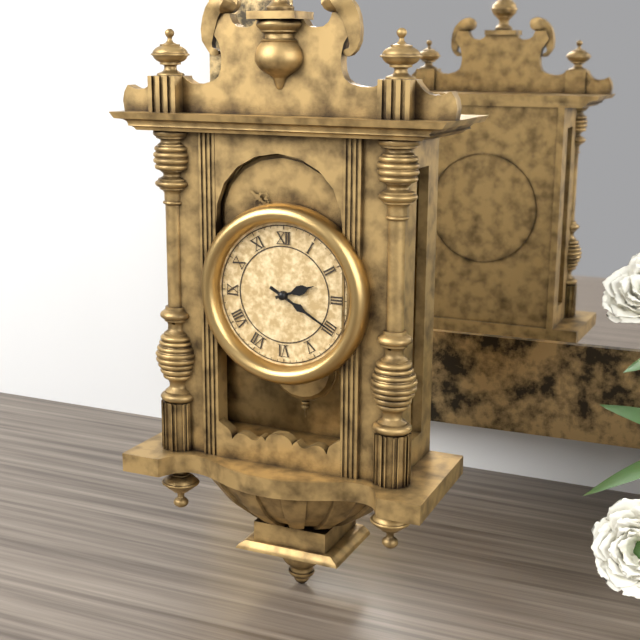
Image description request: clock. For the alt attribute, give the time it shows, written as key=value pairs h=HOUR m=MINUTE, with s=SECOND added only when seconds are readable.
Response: h=2 m=20
